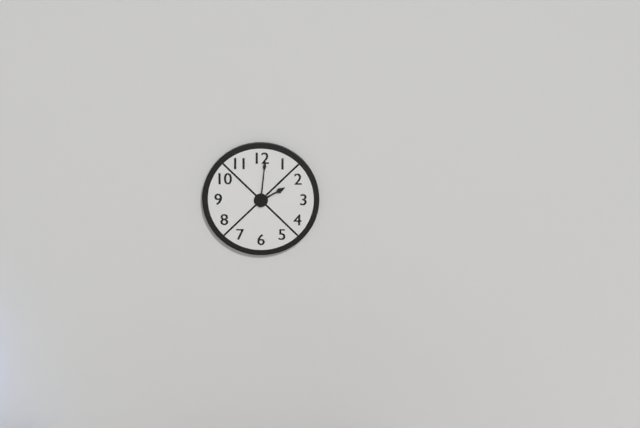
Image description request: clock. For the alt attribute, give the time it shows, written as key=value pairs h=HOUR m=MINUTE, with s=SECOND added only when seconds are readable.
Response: h=2 m=1
